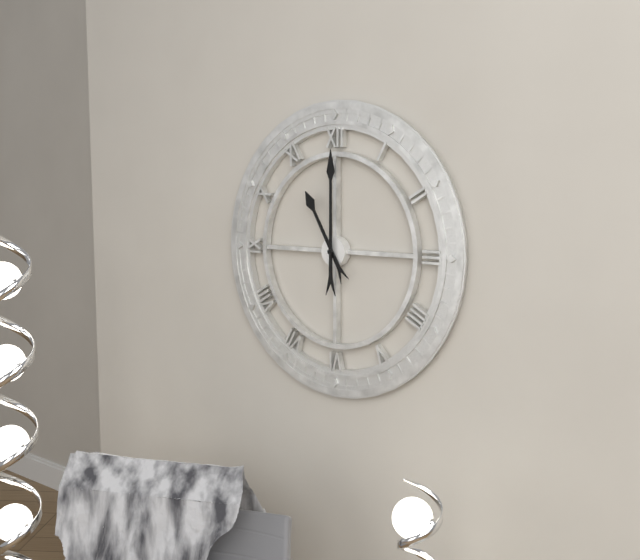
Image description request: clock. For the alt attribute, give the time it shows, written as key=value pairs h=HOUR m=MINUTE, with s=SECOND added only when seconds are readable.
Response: h=11 m=0
